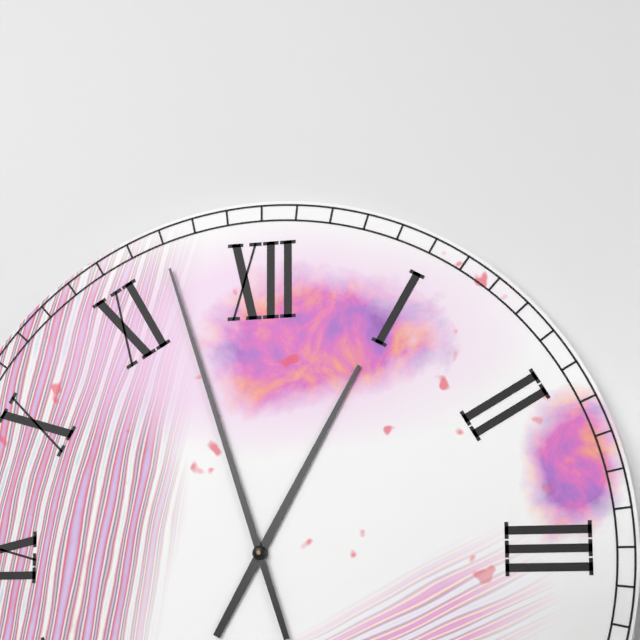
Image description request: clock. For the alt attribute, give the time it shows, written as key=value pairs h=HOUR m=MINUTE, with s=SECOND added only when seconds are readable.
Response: h=12 m=57
